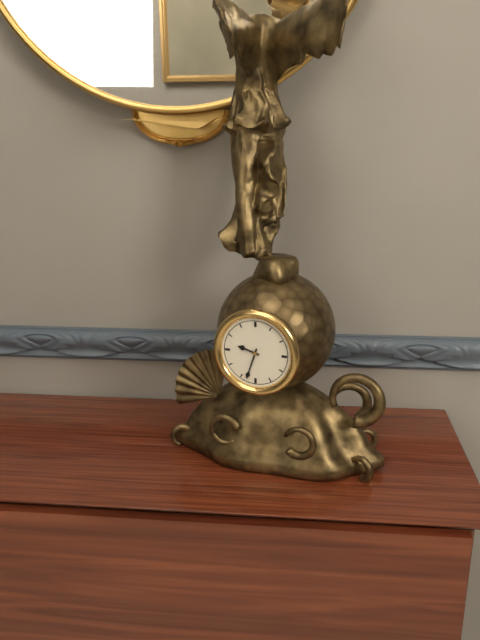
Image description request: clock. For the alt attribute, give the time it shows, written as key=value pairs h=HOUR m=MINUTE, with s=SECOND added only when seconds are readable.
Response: h=9 m=33
